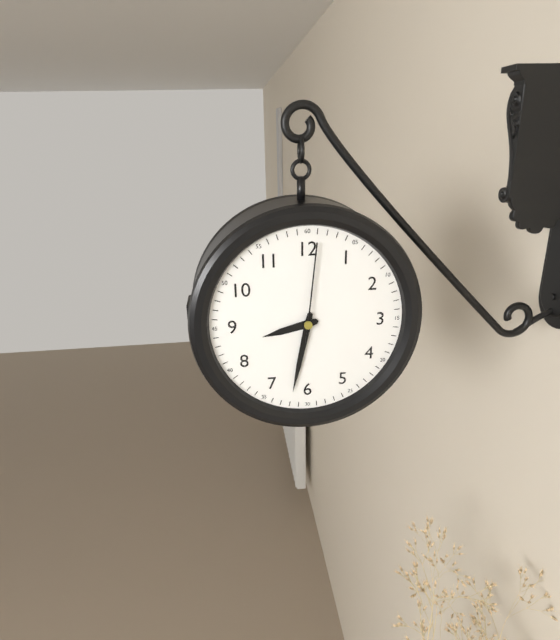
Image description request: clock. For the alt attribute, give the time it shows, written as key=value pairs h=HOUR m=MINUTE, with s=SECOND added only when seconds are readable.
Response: h=8 m=32 s=1
